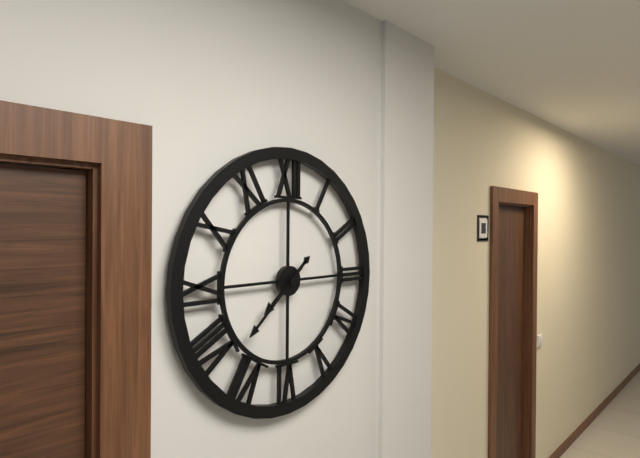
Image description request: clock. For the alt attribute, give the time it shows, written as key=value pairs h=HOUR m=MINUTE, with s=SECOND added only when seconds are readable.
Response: h=7 m=38
